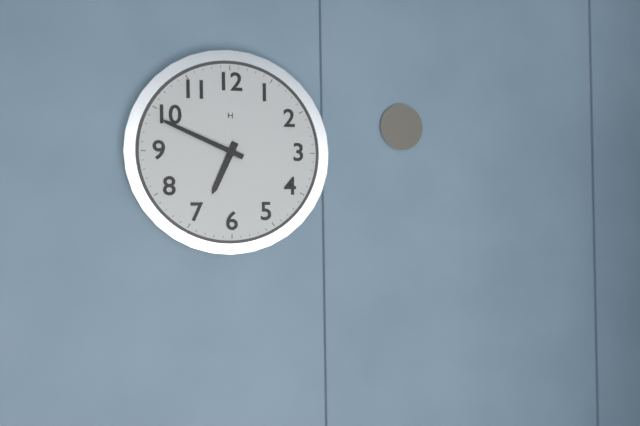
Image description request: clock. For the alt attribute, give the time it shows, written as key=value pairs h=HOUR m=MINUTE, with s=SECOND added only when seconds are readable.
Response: h=6 m=49
